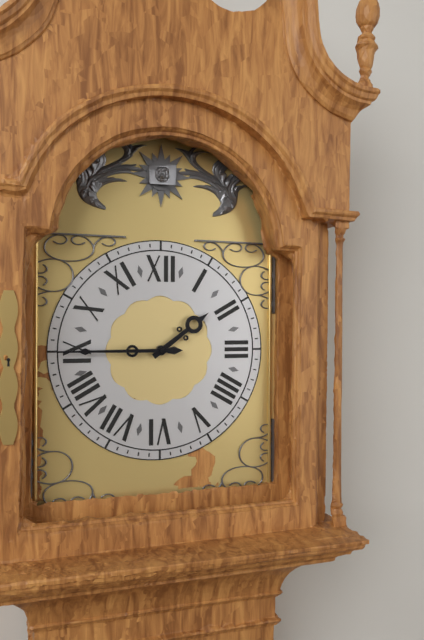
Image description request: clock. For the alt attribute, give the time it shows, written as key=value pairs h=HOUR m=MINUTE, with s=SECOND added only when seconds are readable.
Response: h=1 m=45
